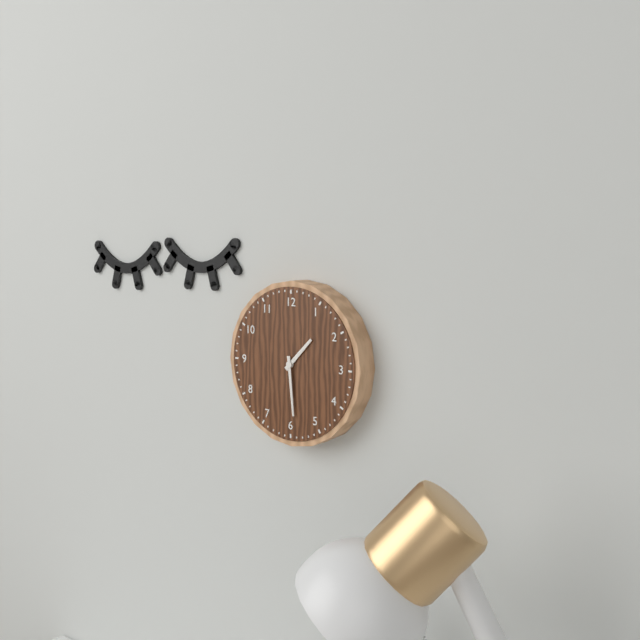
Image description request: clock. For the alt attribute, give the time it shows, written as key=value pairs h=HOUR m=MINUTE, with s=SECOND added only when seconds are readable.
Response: h=1 m=29
